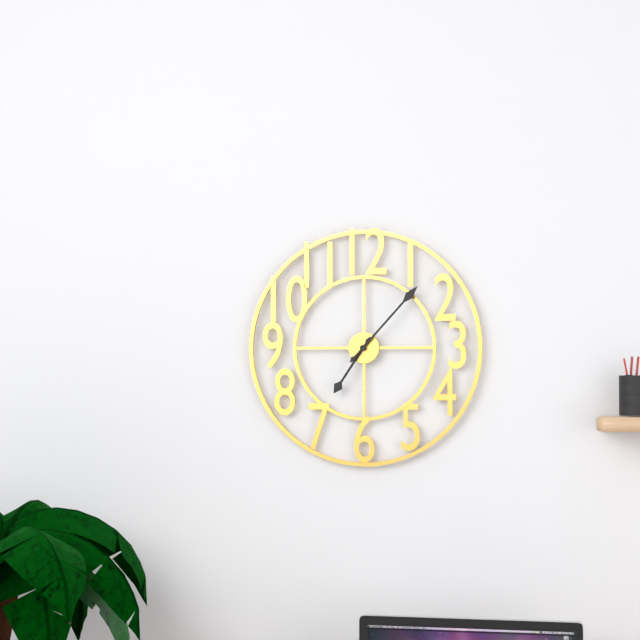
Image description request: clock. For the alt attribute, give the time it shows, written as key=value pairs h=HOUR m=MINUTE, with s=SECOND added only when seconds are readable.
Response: h=7 m=7
